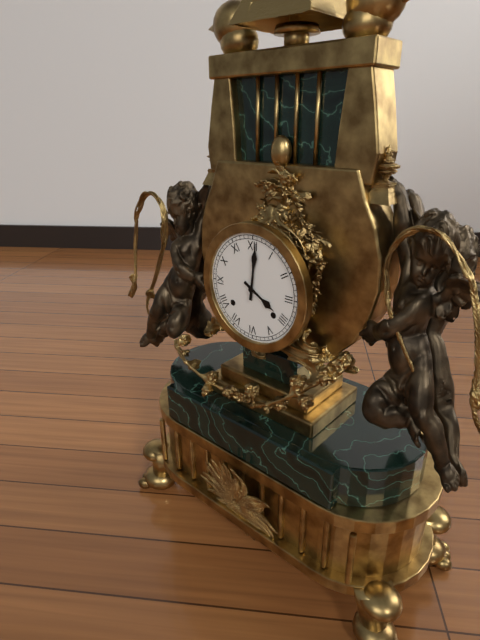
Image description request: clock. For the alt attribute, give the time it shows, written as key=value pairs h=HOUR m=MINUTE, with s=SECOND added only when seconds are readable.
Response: h=4 m=1
